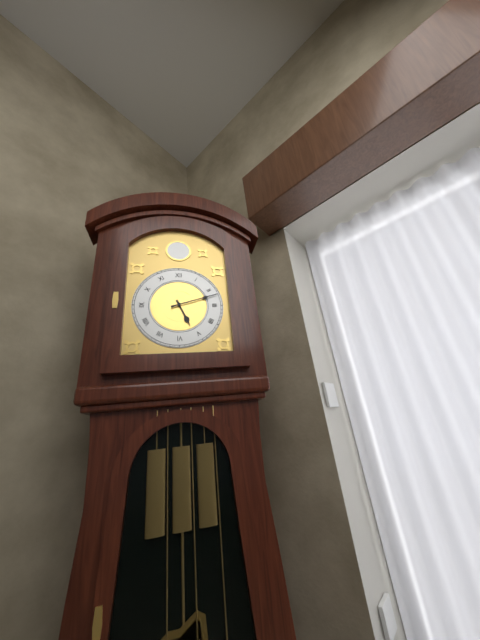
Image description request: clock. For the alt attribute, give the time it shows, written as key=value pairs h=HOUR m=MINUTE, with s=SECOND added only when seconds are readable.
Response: h=5 m=12
